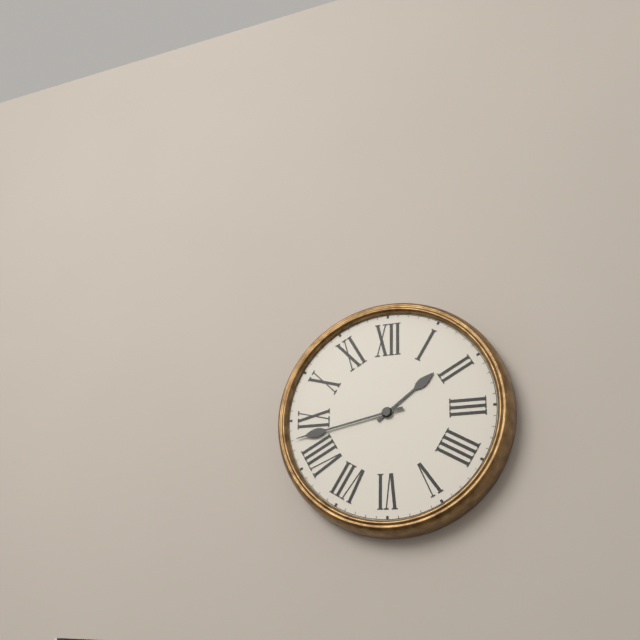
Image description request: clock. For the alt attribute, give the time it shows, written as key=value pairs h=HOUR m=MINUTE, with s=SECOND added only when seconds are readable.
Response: h=1 m=43
